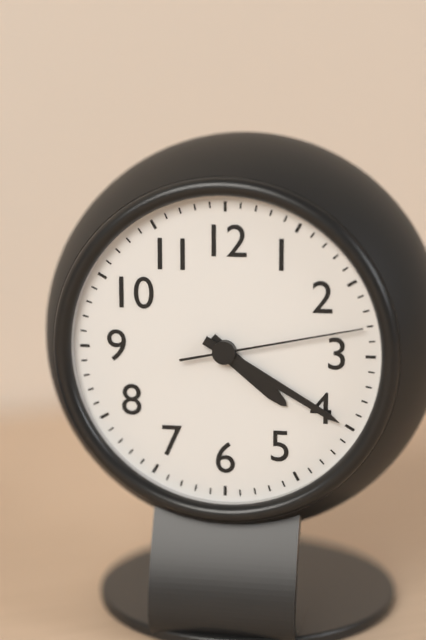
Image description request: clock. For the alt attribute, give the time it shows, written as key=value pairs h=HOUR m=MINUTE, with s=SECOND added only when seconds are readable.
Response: h=4 m=20 s=13
